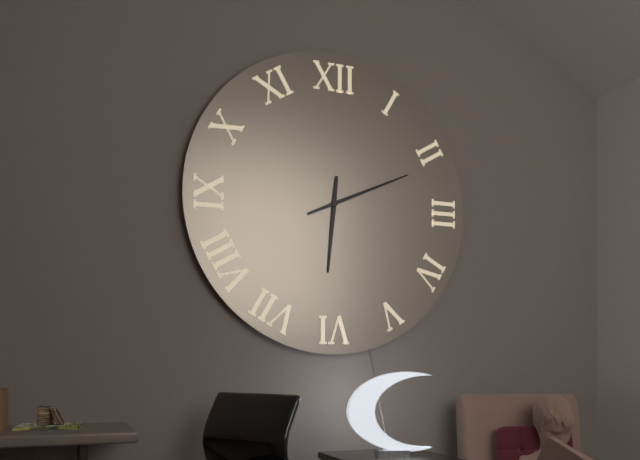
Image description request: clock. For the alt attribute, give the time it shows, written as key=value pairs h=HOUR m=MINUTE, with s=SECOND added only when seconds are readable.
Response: h=6 m=11
